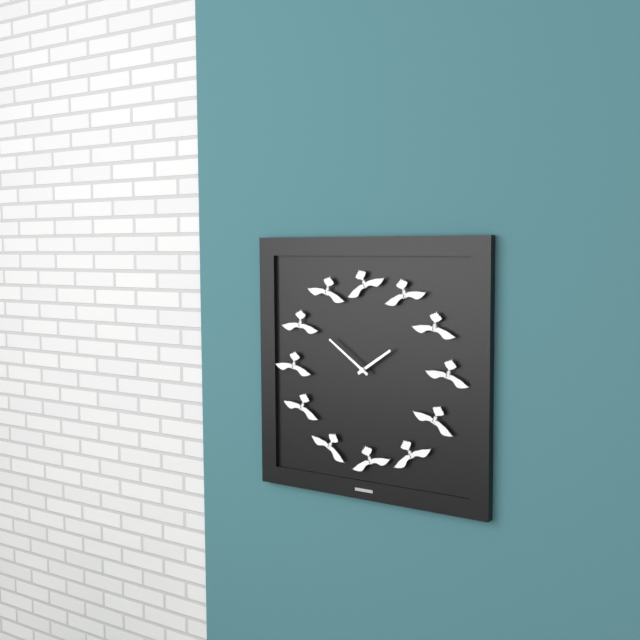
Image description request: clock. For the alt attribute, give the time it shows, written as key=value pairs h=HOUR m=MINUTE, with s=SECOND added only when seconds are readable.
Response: h=1 m=51
